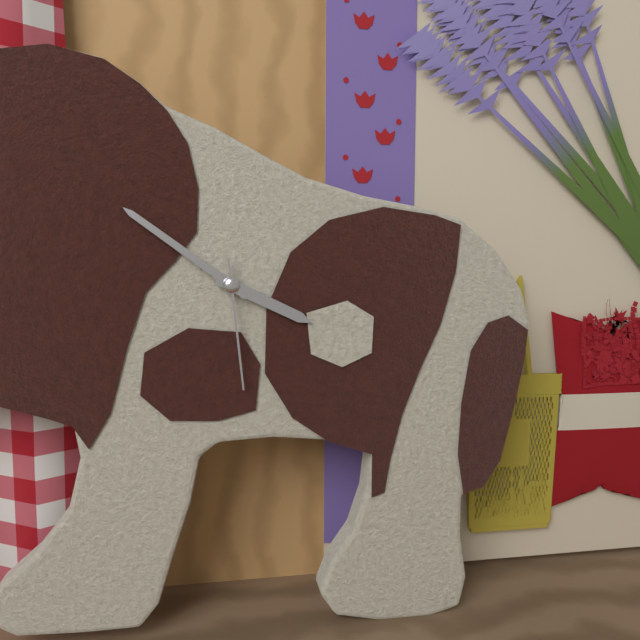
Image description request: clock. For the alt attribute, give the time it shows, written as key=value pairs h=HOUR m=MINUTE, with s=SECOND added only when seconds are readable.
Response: h=3 m=51 s=29
